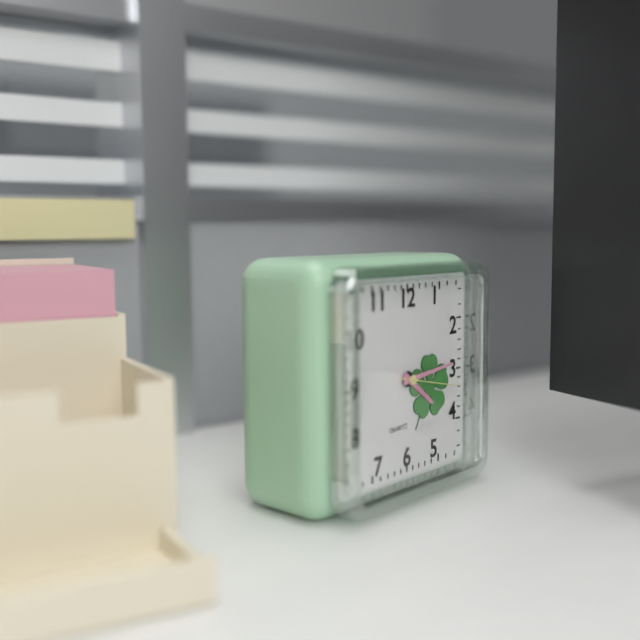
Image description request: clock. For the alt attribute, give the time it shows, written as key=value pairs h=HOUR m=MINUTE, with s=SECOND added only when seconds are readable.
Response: h=4 m=14 s=17
